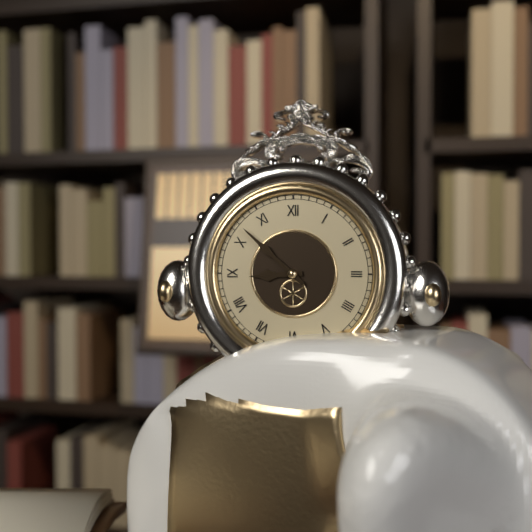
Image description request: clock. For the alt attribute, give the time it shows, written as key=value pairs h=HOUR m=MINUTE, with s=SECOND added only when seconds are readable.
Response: h=8 m=52
